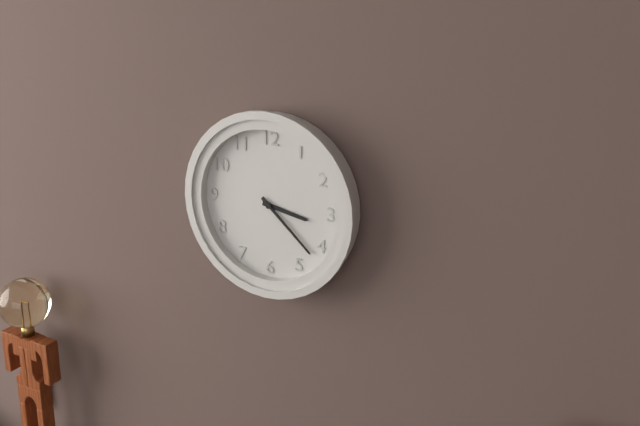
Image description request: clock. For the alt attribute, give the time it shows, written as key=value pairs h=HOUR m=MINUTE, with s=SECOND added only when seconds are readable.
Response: h=3 m=22
